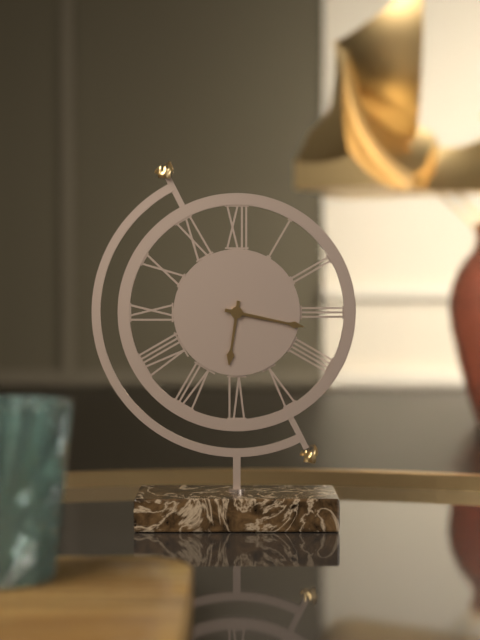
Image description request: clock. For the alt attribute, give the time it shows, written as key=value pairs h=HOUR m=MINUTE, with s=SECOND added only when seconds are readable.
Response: h=6 m=17
